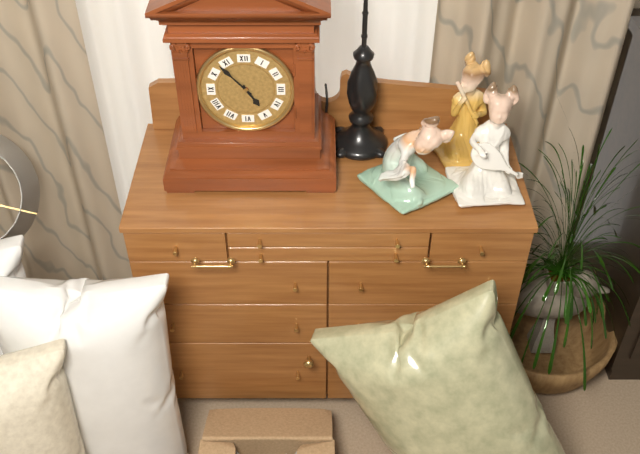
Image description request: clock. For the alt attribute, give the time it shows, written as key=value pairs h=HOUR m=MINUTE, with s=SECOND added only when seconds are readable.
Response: h=4 m=53
